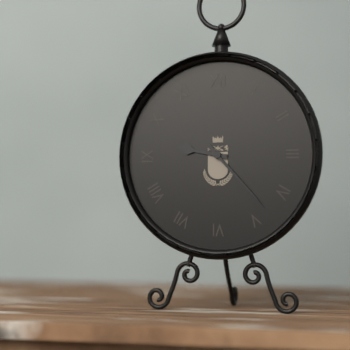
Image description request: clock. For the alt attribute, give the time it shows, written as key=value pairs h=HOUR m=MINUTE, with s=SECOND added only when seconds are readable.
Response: h=9 m=23
